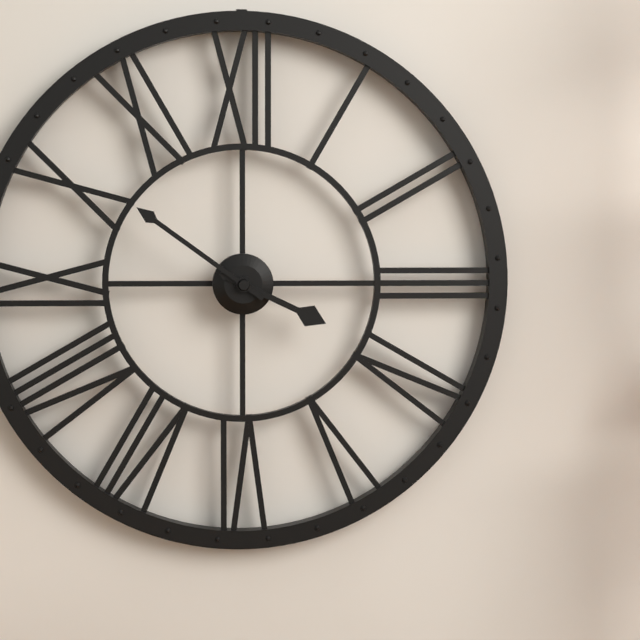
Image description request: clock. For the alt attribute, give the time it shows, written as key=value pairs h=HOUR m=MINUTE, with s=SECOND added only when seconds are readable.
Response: h=3 m=51
